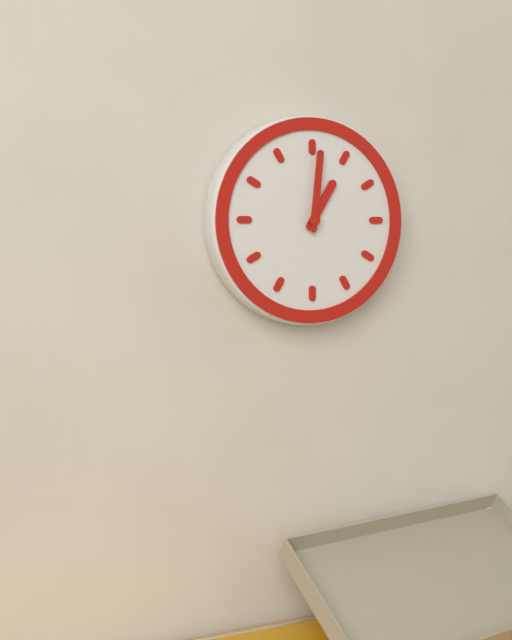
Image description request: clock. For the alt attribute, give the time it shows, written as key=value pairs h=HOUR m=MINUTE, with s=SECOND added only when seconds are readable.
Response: h=1 m=1
